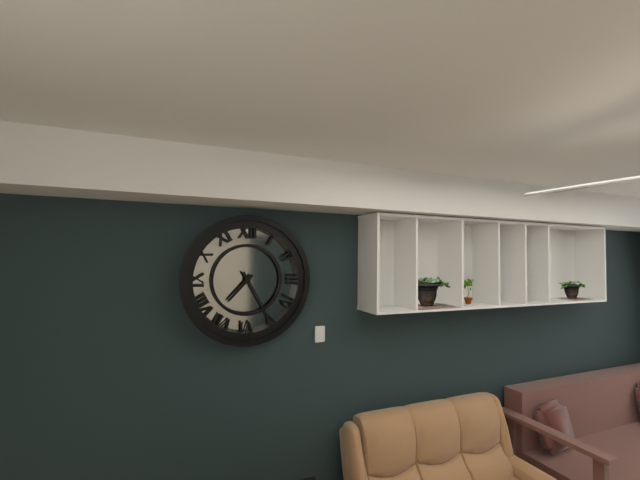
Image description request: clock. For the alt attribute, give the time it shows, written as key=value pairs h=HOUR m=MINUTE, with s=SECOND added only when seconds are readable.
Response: h=7 m=25
